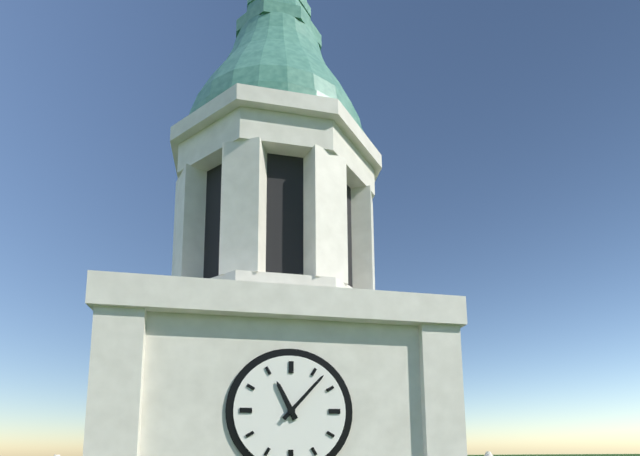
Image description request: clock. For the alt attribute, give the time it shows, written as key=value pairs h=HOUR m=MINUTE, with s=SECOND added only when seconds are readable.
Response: h=11 m=7
